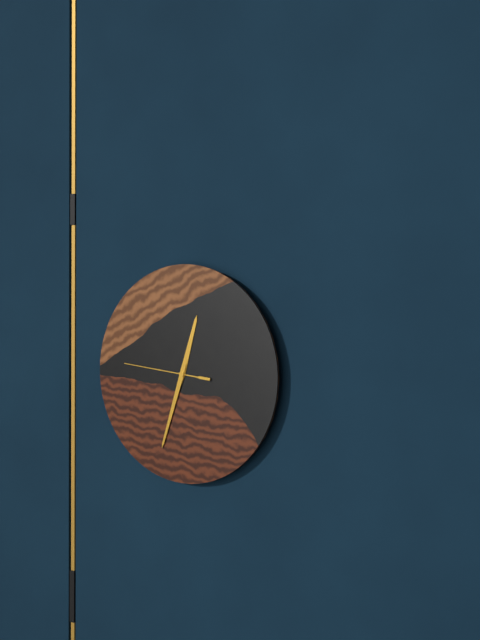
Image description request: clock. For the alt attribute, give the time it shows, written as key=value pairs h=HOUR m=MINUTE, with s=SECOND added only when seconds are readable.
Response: h=12 m=33 s=46
